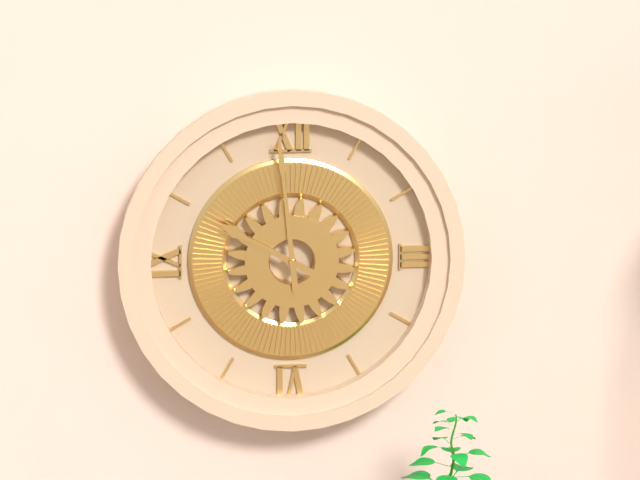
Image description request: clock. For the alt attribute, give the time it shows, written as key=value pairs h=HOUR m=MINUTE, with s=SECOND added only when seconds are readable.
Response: h=9 m=59
